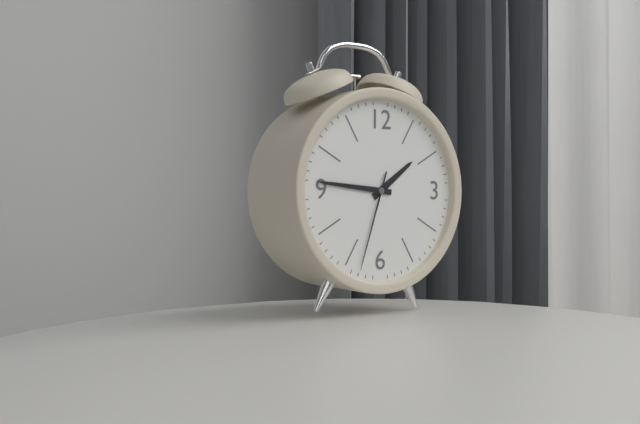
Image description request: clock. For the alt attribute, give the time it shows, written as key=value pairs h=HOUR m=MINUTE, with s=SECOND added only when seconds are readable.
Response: h=1 m=46 s=33
